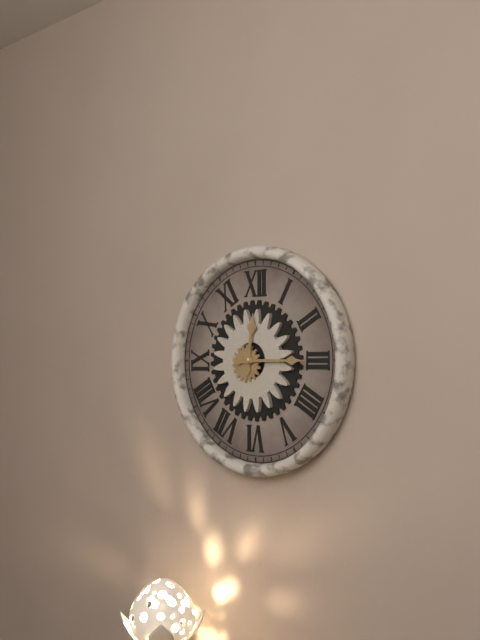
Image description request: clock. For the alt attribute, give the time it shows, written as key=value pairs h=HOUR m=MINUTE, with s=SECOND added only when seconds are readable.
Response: h=12 m=15
